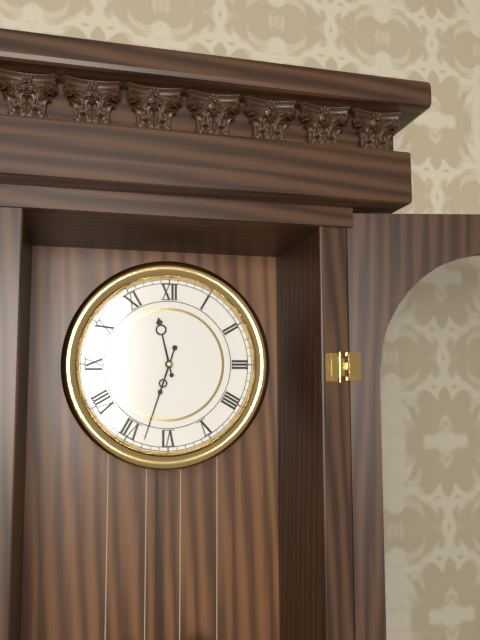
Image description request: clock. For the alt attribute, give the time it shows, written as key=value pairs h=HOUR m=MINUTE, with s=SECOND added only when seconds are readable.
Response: h=11 m=33
